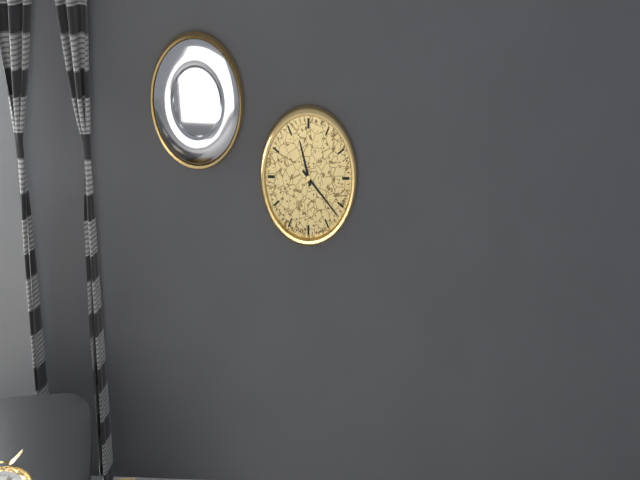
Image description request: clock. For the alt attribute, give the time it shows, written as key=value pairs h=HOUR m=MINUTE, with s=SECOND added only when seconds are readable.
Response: h=11 m=22
